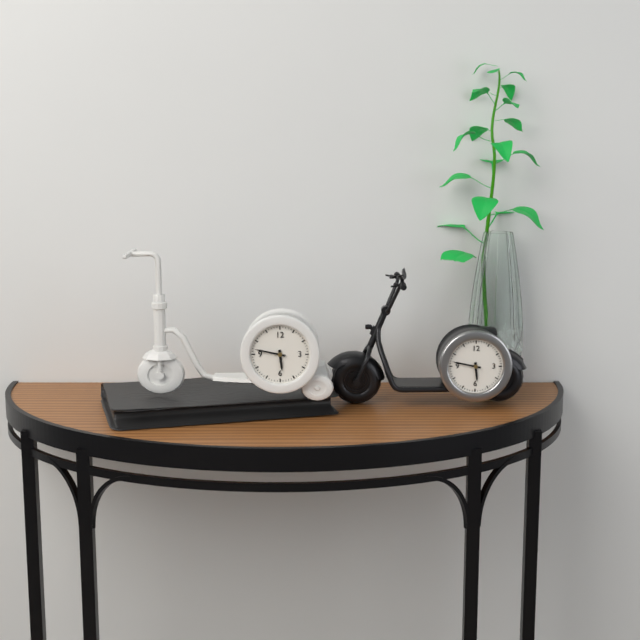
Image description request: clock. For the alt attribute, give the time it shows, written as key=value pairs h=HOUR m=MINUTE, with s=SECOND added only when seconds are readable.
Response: h=5 m=47
